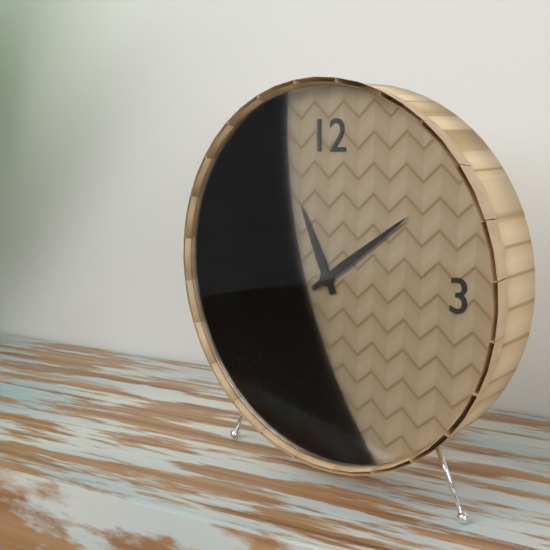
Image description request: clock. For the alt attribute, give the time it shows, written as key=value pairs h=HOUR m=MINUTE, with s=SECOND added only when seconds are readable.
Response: h=11 m=9
